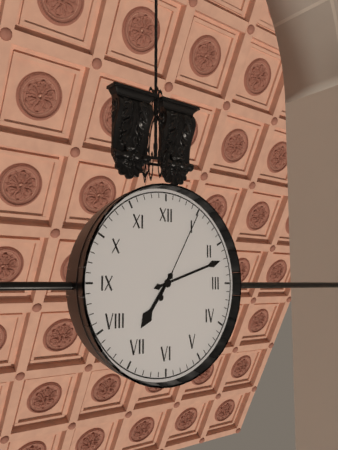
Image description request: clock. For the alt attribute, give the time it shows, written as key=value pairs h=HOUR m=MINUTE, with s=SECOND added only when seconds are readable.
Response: h=7 m=12 s=5
